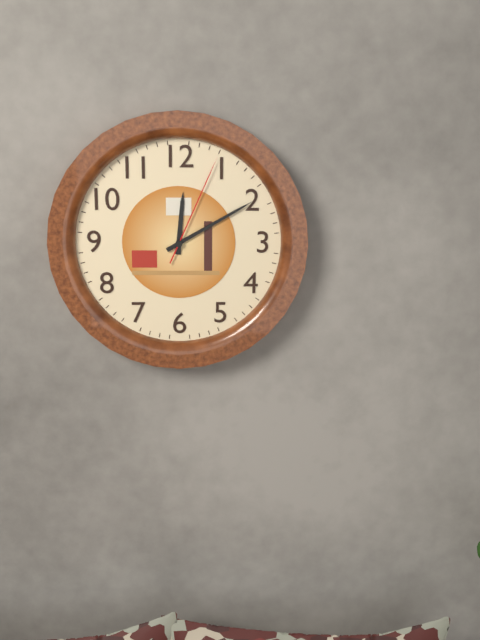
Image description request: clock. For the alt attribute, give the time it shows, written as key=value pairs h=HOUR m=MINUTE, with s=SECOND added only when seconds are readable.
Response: h=12 m=10 s=4
